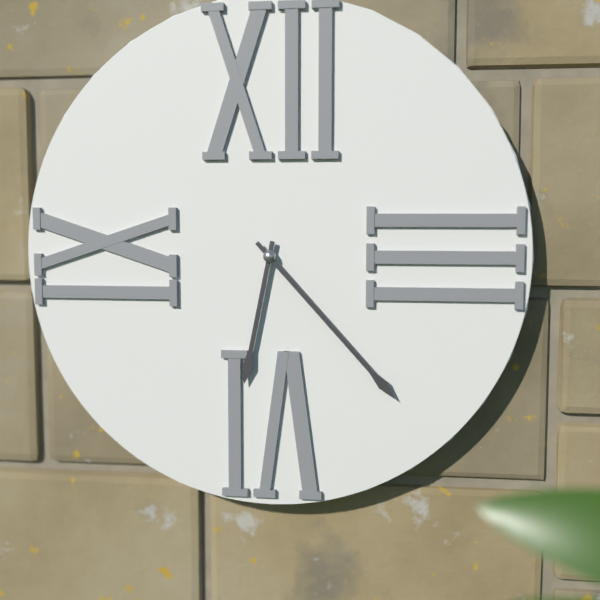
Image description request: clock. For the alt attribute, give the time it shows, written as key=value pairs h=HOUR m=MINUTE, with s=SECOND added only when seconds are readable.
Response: h=6 m=23
